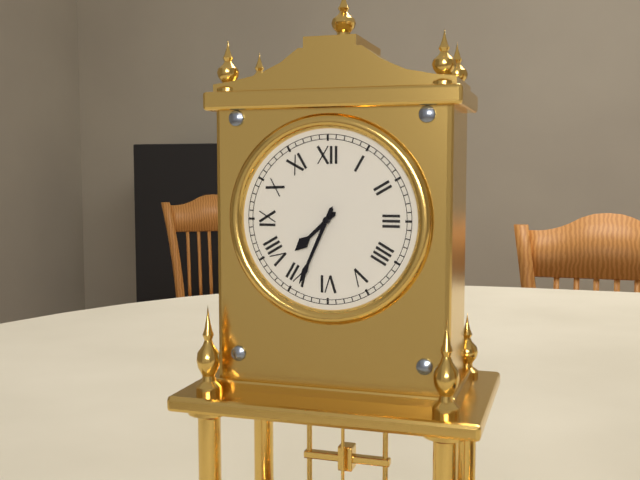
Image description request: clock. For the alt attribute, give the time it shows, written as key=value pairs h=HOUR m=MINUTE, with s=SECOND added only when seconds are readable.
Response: h=7 m=34
